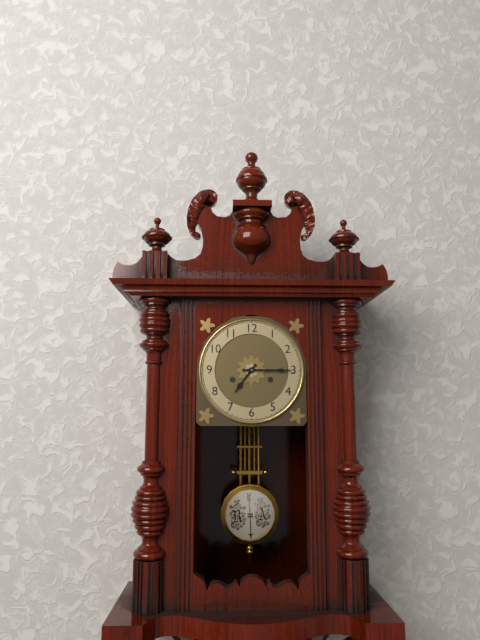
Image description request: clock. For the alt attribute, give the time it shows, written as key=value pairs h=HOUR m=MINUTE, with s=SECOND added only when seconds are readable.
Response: h=7 m=15
